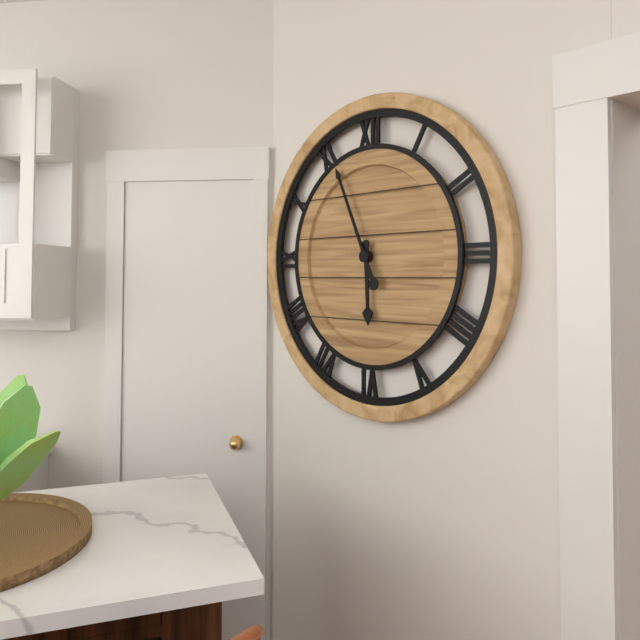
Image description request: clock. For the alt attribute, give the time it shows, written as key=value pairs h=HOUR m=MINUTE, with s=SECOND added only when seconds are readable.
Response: h=5 m=56
